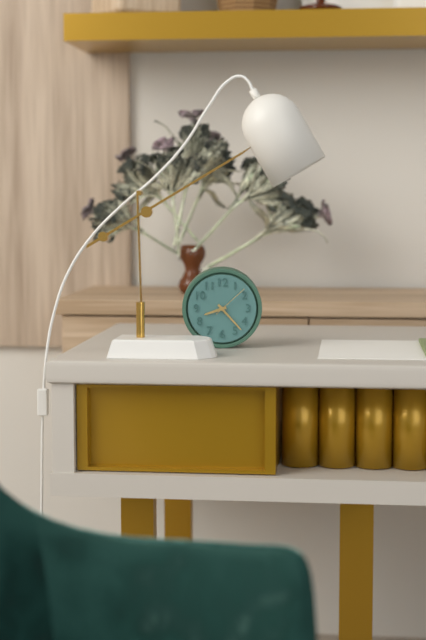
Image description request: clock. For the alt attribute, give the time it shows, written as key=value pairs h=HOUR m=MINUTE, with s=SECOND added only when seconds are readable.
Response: h=8 m=23
